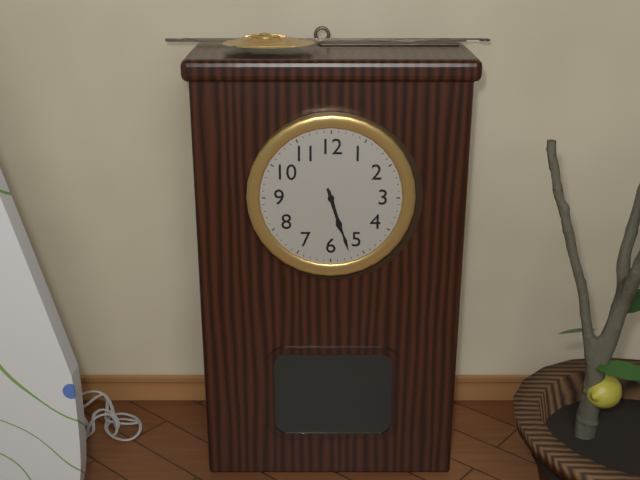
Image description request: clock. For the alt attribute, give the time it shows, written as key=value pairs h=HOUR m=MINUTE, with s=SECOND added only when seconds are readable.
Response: h=5 m=27
